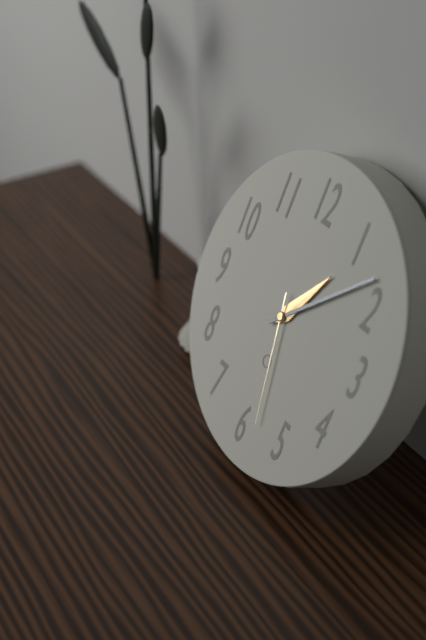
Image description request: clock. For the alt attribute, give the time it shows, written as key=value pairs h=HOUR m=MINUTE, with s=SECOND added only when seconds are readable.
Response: h=1 m=8 s=28
